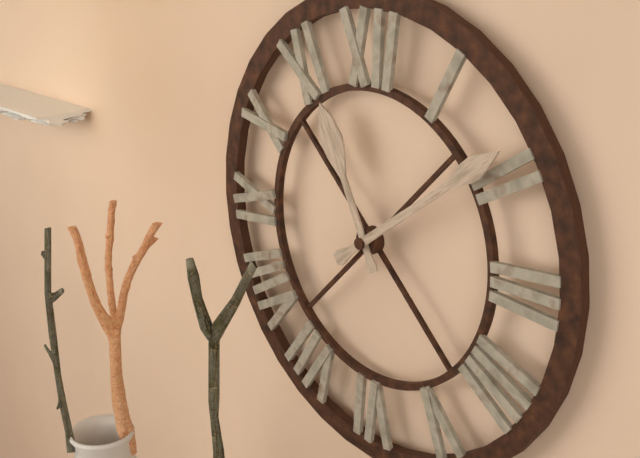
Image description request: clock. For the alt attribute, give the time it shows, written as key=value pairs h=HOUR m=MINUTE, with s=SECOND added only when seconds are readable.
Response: h=11 m=9
